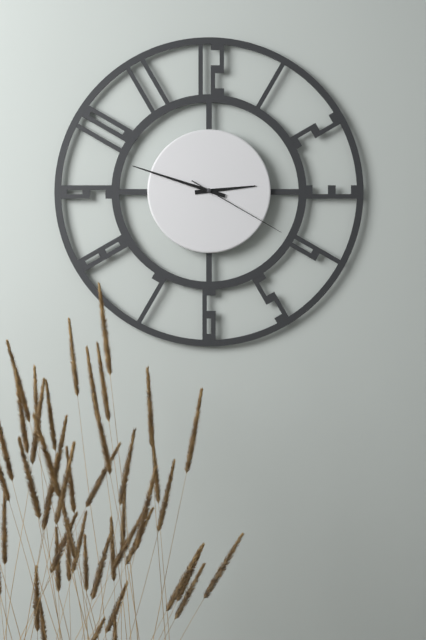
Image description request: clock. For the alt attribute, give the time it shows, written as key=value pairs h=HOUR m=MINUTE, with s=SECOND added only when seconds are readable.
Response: h=2 m=48 s=20
